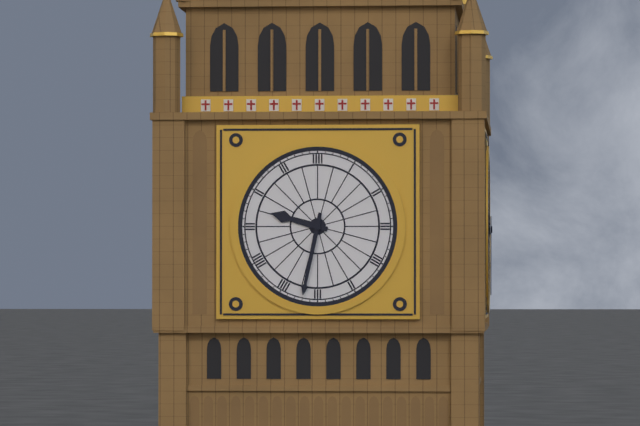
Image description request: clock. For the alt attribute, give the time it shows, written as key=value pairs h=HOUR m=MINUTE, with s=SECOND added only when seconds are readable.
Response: h=9 m=32
